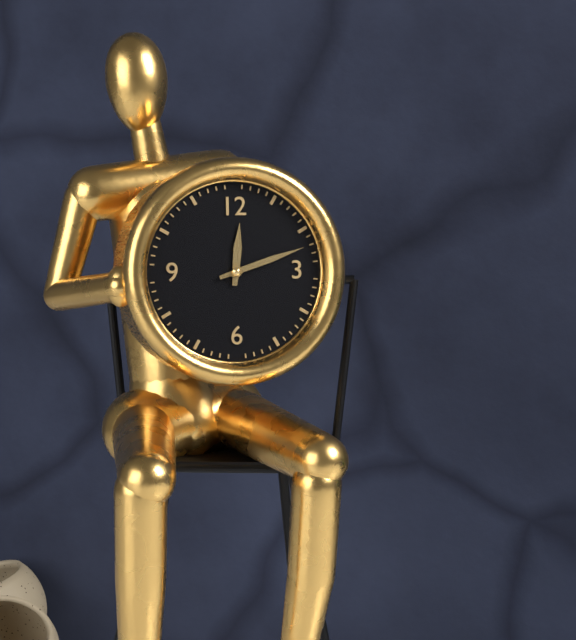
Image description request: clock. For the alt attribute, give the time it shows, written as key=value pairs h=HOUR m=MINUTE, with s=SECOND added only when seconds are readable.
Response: h=12 m=12
